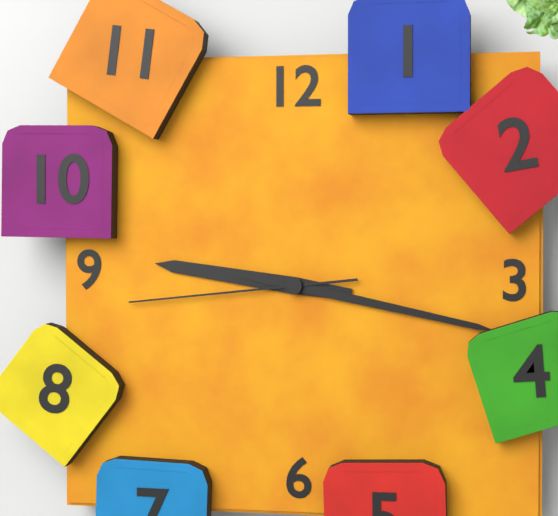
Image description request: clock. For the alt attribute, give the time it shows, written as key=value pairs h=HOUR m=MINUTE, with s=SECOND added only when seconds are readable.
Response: h=9 m=17 s=44
